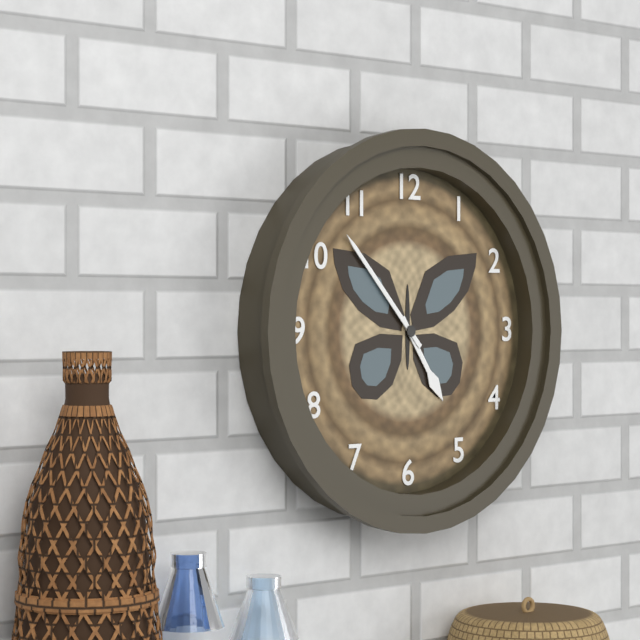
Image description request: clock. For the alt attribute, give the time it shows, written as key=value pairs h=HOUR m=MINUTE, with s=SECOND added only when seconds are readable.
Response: h=4 m=53
